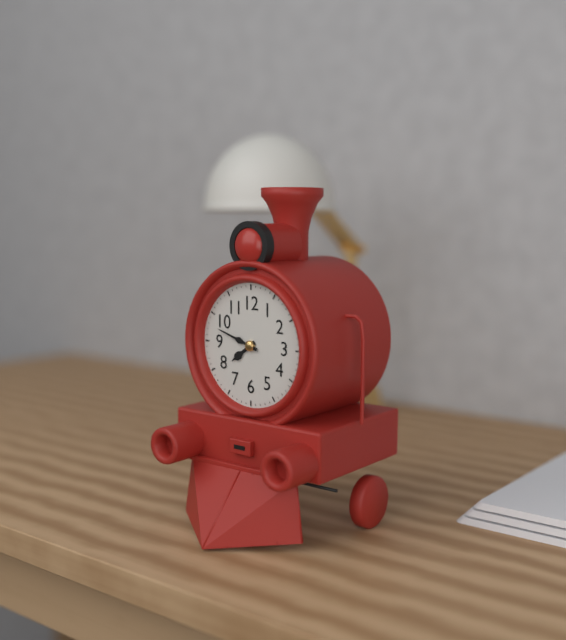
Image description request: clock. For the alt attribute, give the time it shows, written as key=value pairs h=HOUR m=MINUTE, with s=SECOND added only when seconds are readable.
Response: h=7 m=48
